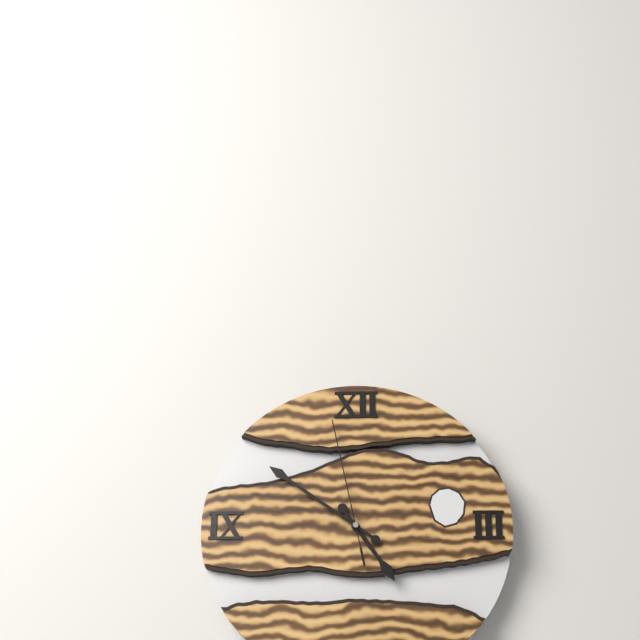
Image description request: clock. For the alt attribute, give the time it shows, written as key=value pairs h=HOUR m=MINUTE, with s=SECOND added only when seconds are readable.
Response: h=4 m=51 s=58
